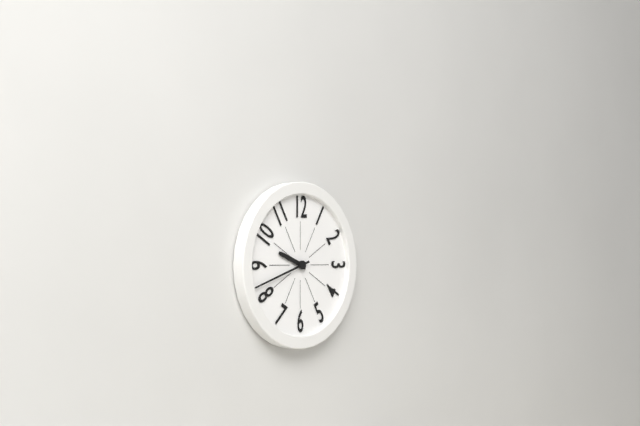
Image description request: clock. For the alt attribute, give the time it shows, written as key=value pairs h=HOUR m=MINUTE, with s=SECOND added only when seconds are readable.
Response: h=9 m=42
